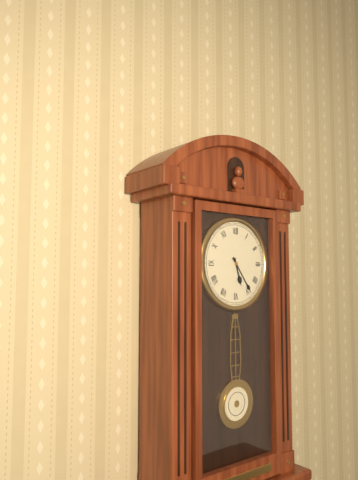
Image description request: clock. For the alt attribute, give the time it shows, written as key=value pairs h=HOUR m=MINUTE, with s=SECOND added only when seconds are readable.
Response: h=5 m=24
